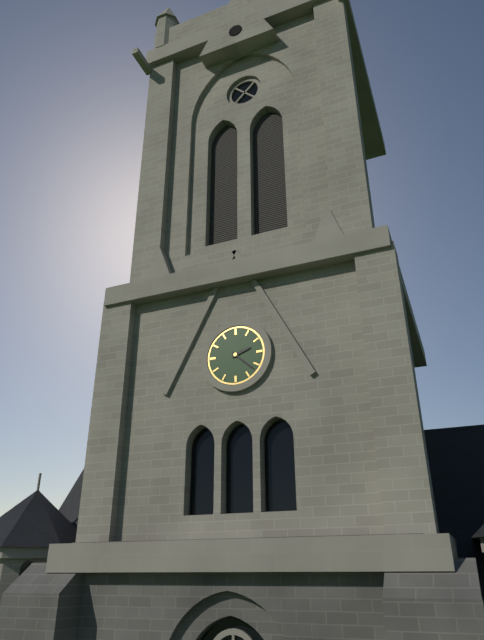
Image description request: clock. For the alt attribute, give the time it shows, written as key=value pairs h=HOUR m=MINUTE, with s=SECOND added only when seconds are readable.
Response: h=2 m=22
